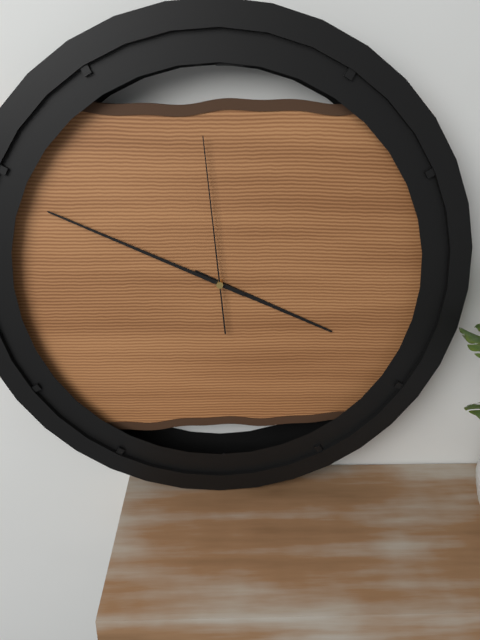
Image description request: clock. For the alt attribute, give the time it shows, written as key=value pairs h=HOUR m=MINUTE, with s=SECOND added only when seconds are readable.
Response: h=3 m=49 s=59
